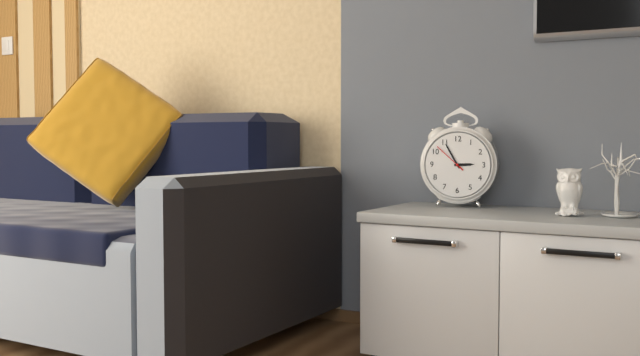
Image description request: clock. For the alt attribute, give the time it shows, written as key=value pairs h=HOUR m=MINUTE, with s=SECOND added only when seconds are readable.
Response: h=2 m=55
